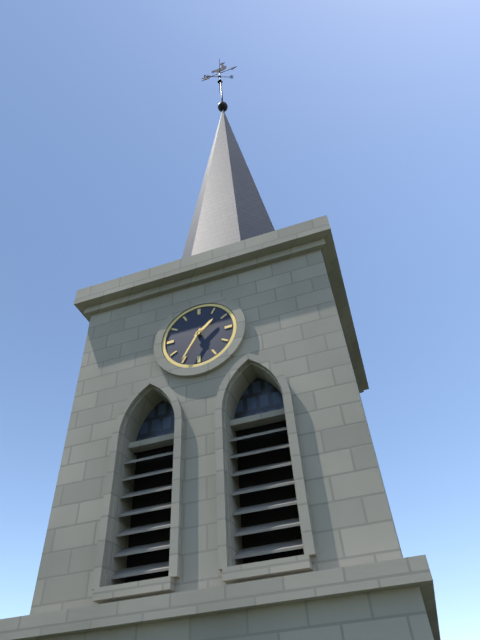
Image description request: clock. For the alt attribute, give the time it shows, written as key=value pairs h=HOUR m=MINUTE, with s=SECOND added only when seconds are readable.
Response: h=1 m=35
